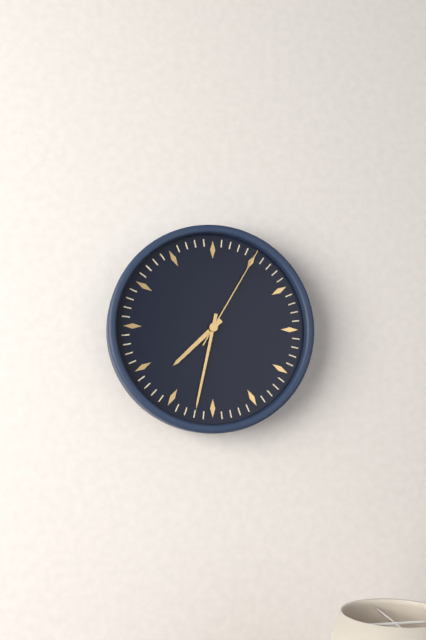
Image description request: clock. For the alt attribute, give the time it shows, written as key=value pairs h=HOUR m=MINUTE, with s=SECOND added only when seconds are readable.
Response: h=7 m=32 s=5
